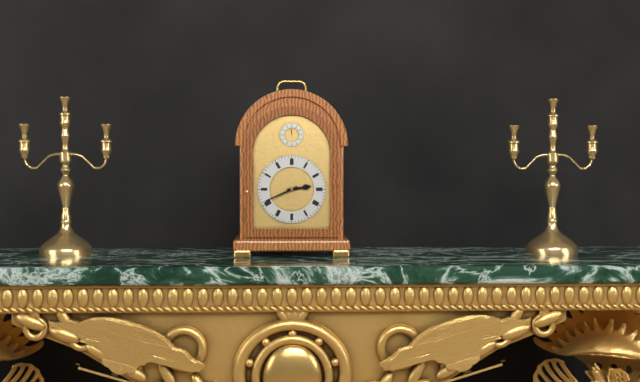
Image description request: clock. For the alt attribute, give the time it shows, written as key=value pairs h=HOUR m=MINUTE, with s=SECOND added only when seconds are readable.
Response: h=2 m=41
